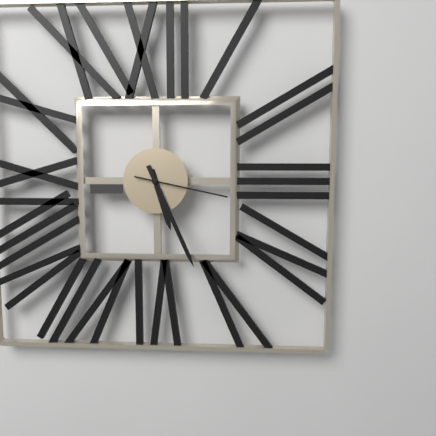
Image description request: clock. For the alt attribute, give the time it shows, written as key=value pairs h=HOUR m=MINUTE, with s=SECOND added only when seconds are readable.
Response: h=5 m=26 s=17
